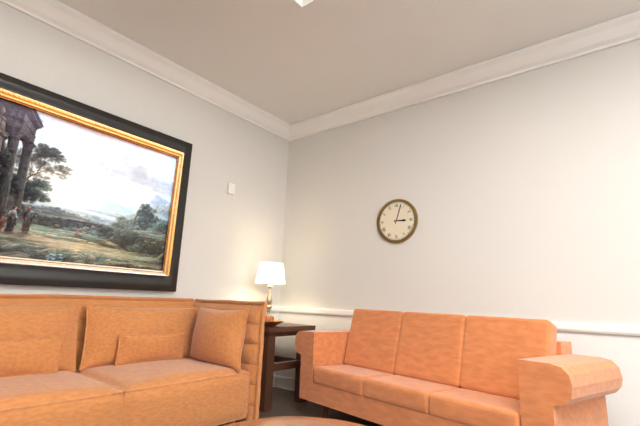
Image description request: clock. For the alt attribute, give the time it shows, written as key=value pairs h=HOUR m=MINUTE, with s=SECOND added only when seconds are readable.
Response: h=3 m=3
